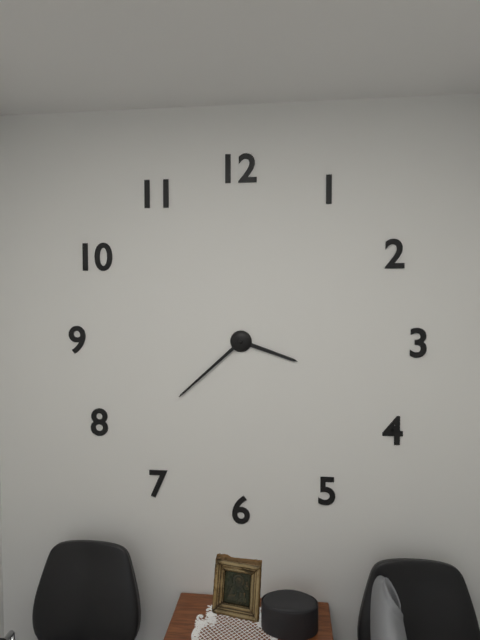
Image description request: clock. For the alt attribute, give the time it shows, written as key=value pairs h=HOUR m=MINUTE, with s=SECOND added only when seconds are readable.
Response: h=3 m=38
